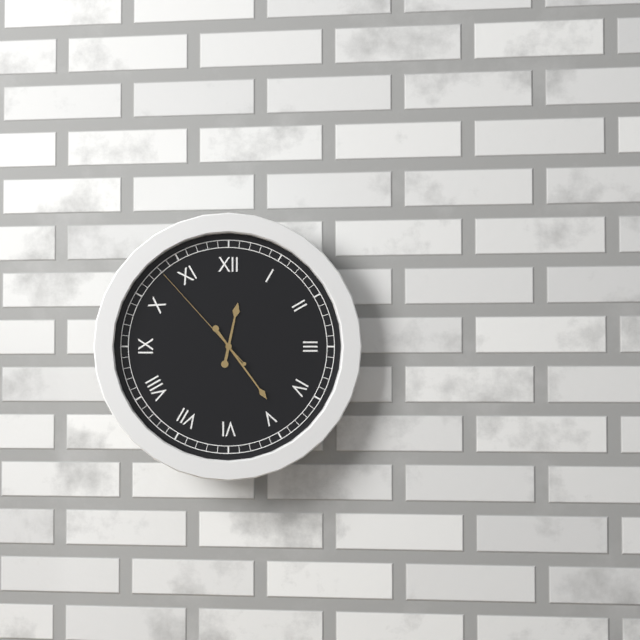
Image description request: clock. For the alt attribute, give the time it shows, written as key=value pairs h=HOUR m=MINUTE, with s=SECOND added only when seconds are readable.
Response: h=12 m=24 s=53
